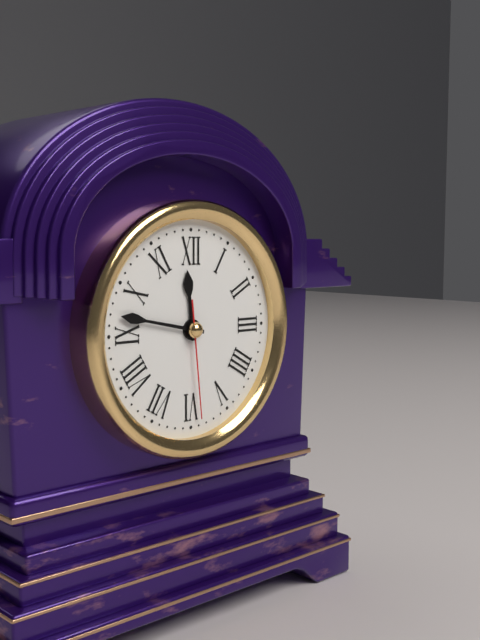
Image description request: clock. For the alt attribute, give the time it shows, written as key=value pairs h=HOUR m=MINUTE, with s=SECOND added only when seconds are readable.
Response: h=11 m=47 s=29
